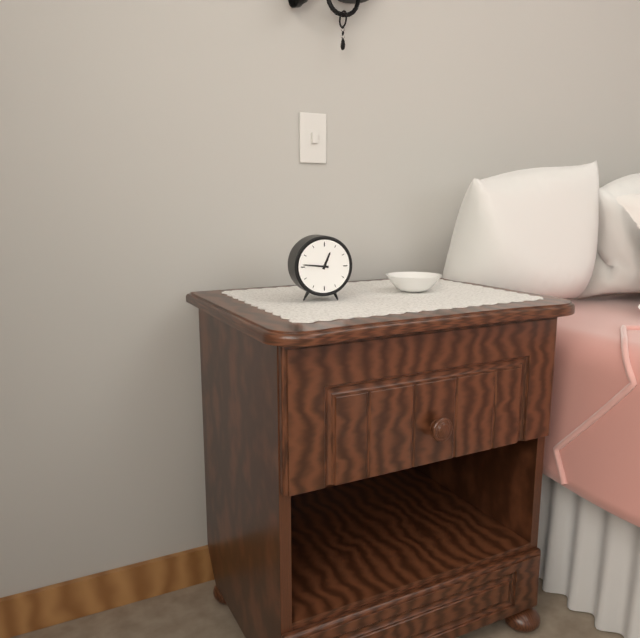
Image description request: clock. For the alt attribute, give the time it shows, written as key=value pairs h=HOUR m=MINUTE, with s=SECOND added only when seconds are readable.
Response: h=12 m=46
